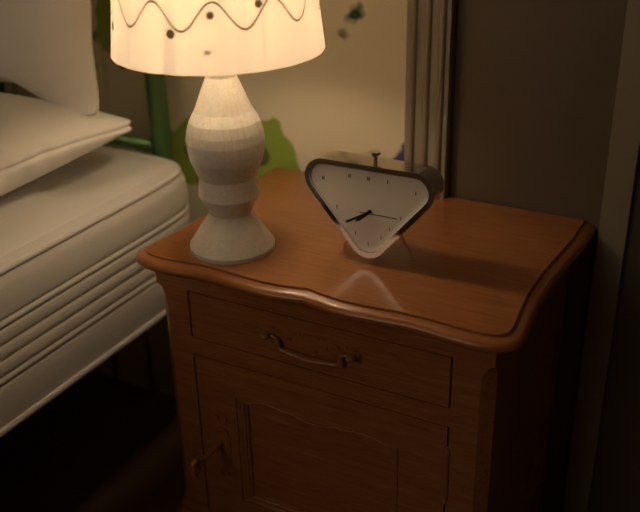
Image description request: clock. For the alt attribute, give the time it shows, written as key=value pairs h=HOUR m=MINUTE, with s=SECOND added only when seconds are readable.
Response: h=7 m=40
